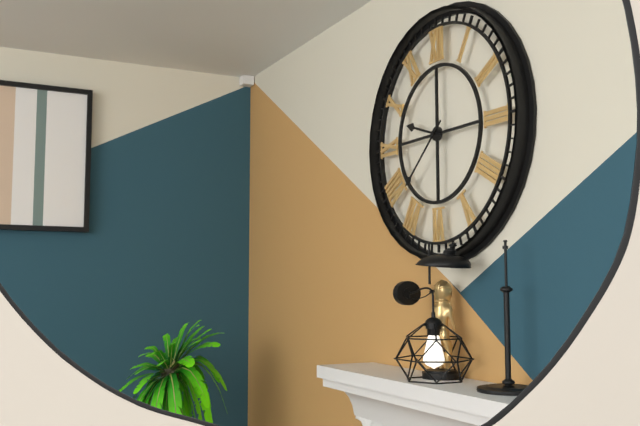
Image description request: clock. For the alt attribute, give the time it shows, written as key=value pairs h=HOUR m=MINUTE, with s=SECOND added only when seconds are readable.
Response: h=9 m=38
